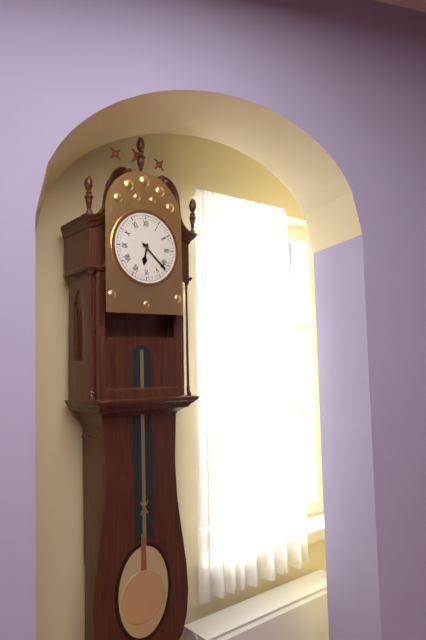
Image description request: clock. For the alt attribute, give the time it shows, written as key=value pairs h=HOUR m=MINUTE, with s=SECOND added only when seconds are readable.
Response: h=6 m=22
